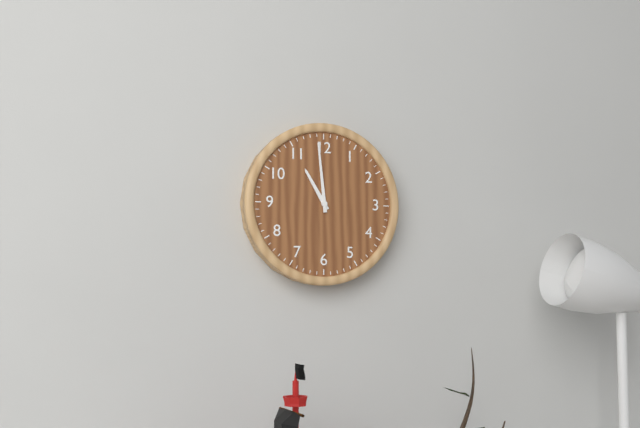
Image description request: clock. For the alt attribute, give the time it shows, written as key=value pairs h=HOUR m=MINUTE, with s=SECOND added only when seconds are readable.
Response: h=10 m=59
